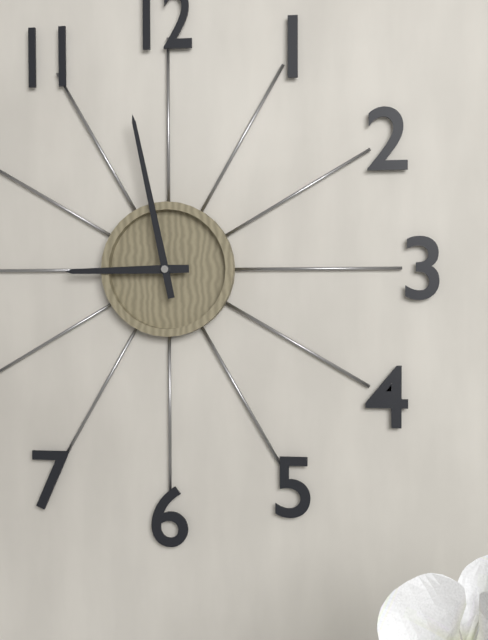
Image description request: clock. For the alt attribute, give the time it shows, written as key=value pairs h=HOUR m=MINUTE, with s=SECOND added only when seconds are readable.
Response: h=8 m=58
